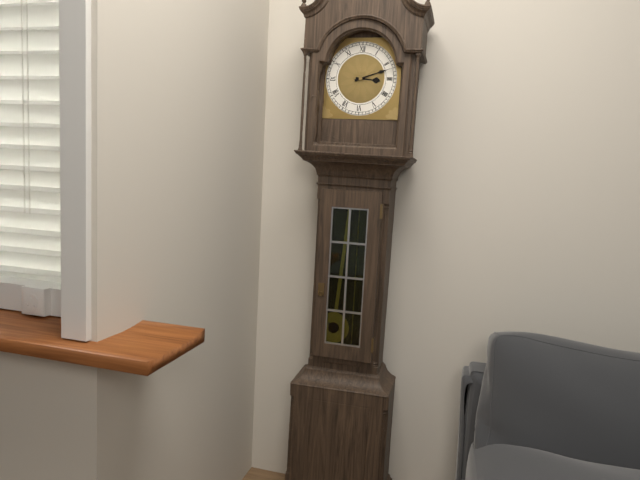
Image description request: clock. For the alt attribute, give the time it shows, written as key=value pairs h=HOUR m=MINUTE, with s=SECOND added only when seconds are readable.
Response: h=3 m=12
